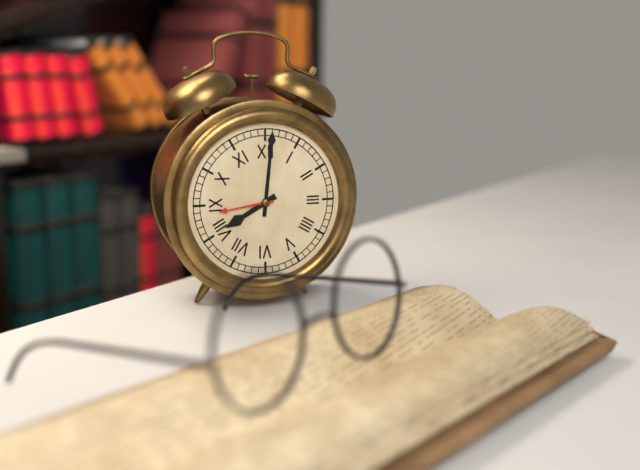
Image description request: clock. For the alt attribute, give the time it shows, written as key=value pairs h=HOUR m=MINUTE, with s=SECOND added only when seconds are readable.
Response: h=8 m=1
